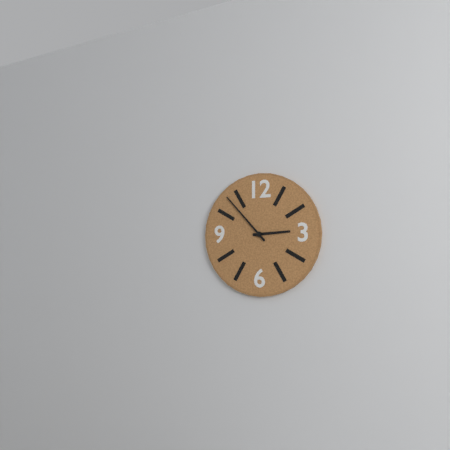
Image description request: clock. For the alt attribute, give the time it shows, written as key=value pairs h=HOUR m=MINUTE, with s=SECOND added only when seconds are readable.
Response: h=2 m=53
